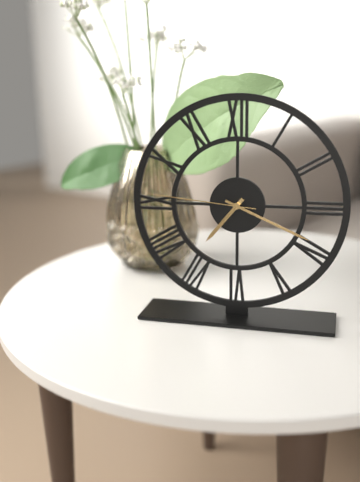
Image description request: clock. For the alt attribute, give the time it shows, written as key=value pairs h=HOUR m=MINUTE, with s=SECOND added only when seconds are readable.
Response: h=7 m=19 s=46
